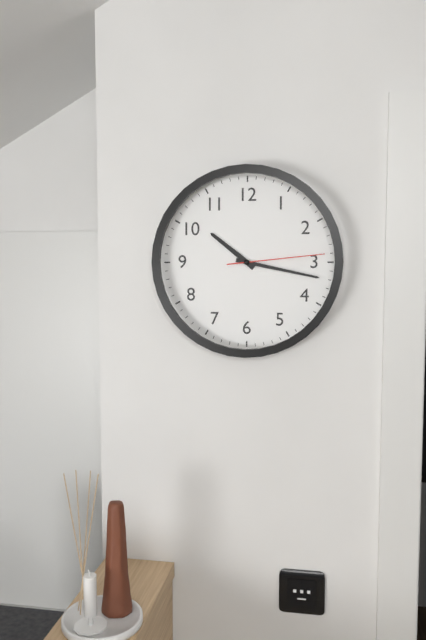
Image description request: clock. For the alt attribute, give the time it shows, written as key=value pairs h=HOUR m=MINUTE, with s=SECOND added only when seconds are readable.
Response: h=10 m=17 s=14
